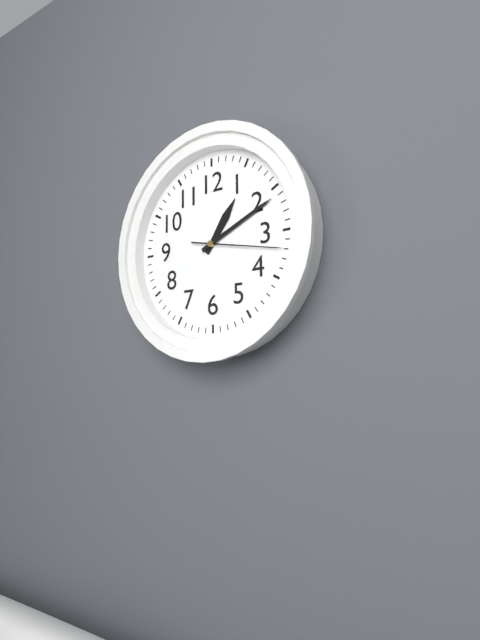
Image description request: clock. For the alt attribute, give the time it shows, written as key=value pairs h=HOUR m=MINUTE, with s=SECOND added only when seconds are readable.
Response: h=1 m=11 s=17
